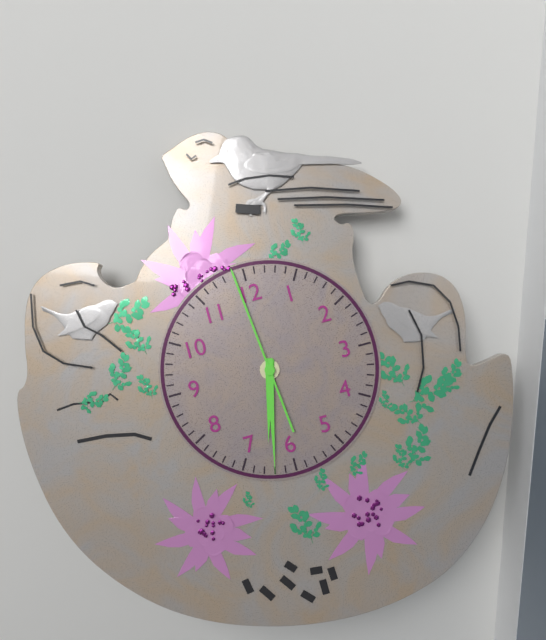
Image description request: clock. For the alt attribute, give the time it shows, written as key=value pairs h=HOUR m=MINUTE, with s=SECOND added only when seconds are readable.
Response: h=6 m=32 s=59
